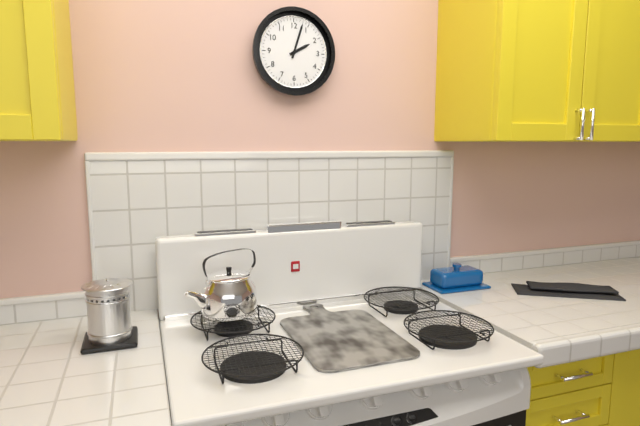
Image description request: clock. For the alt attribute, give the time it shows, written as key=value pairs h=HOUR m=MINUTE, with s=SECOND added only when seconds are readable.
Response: h=2 m=3
